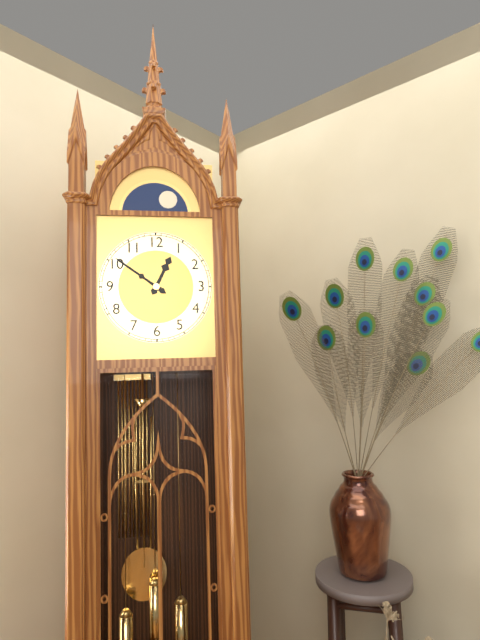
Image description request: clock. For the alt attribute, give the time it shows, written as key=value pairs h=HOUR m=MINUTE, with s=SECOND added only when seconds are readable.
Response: h=12 m=51
